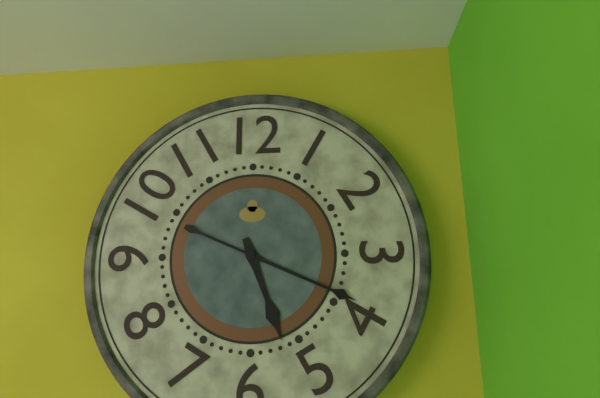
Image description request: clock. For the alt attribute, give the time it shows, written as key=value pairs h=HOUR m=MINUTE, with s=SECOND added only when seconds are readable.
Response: h=5 m=19
